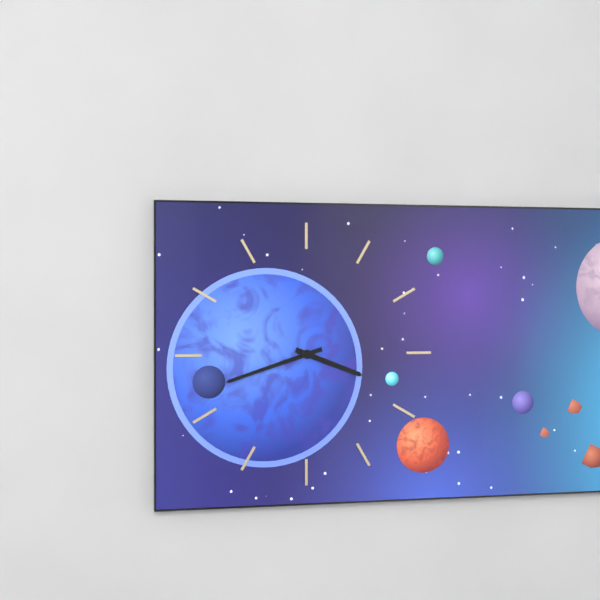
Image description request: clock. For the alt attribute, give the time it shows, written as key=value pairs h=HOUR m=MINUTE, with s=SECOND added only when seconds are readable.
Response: h=3 m=42
